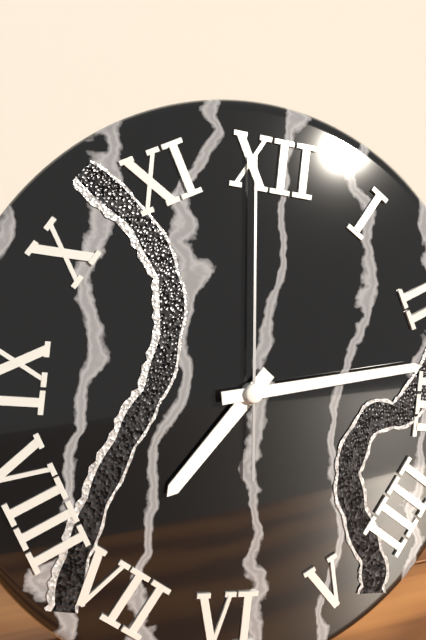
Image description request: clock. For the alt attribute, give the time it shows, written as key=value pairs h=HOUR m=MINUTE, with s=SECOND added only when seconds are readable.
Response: h=7 m=13 s=59
